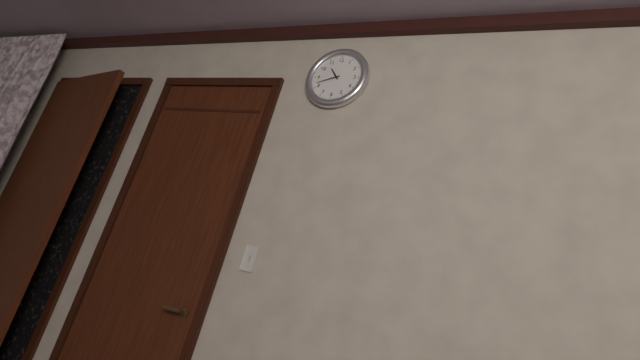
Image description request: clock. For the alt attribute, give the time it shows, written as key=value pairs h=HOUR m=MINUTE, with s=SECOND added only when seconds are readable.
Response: h=10 m=42
